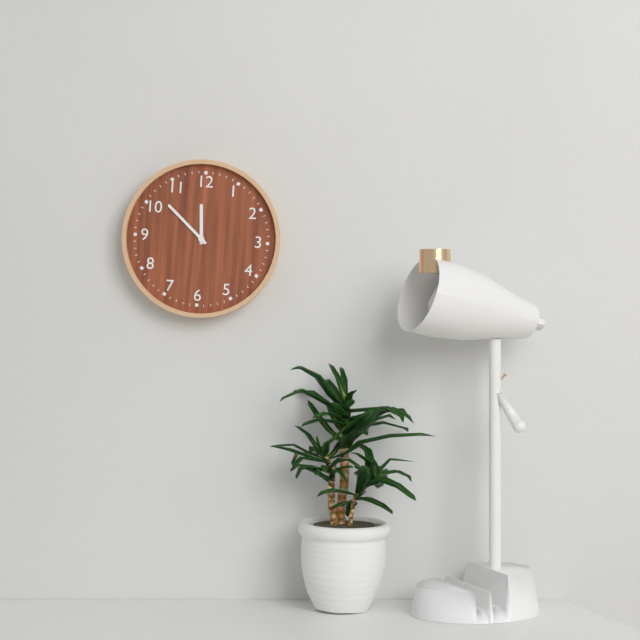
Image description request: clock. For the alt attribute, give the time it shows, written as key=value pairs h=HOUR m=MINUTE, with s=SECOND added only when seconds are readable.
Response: h=11 m=52
